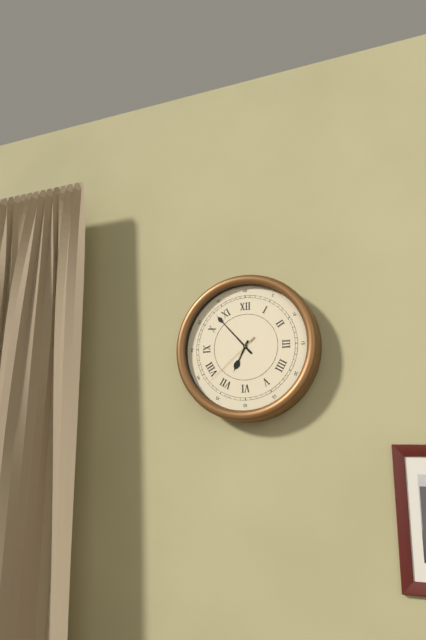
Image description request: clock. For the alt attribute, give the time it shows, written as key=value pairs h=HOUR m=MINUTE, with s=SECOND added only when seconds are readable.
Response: h=6 m=53 s=38
